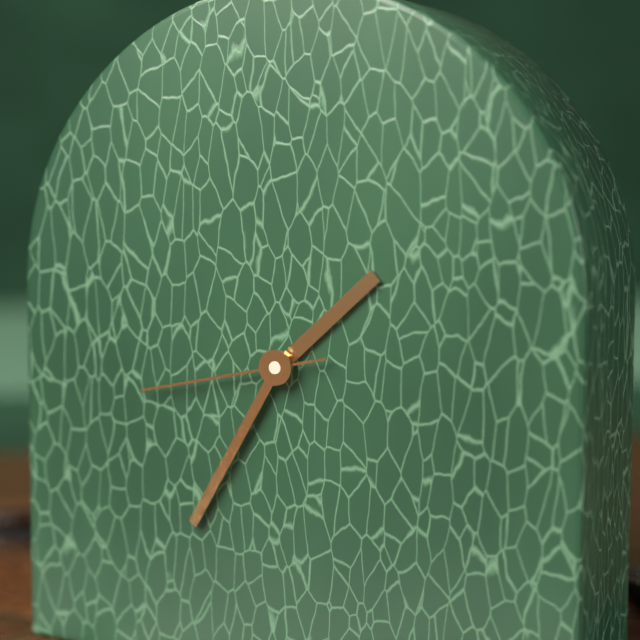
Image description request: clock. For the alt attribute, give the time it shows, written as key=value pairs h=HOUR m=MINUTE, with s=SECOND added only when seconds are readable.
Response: h=1 m=35 s=43
